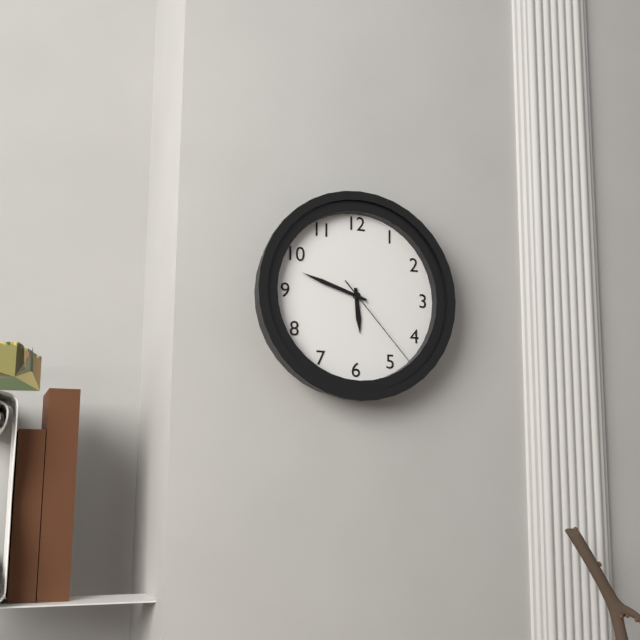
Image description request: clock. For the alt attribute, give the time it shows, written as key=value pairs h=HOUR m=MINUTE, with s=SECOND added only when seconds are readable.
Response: h=5 m=48 s=23
